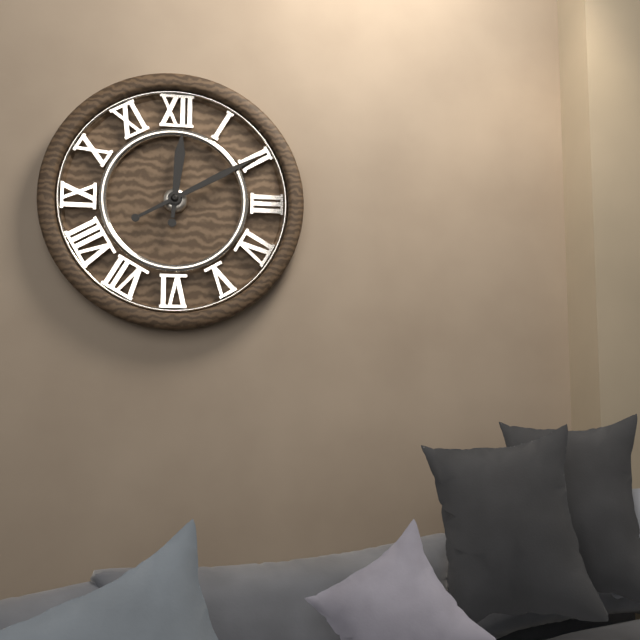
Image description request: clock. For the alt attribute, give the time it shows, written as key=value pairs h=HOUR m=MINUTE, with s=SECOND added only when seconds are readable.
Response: h=12 m=10
